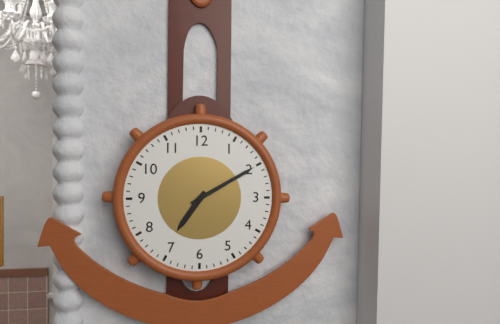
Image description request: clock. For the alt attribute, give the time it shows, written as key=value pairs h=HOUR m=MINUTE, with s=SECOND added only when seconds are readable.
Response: h=7 m=10
